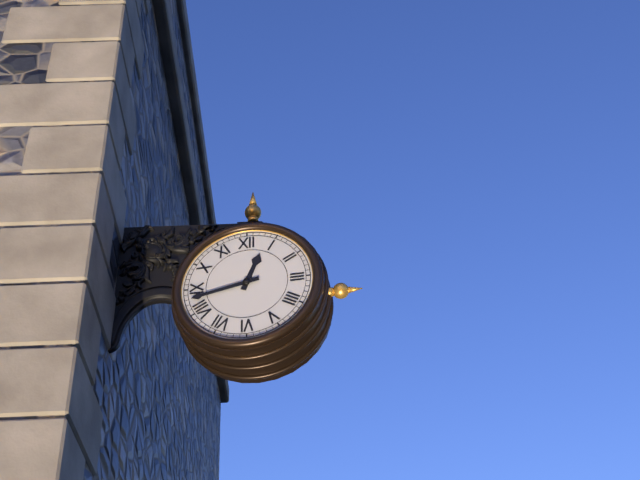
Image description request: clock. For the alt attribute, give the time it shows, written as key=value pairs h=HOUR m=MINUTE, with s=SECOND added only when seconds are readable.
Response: h=12 m=43
